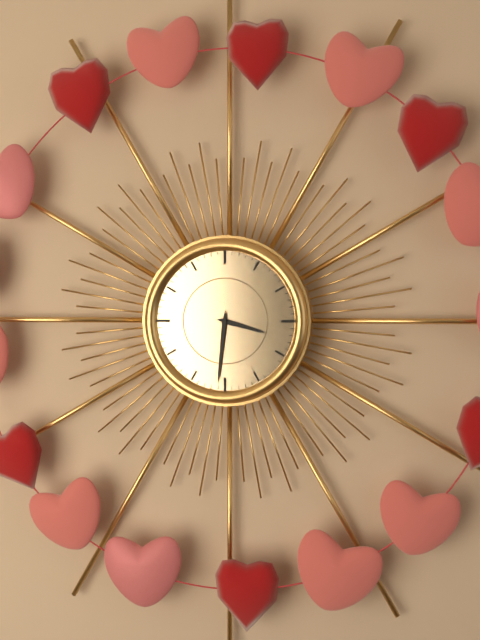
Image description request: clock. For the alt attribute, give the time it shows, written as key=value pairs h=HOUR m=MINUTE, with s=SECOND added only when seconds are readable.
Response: h=3 m=31
